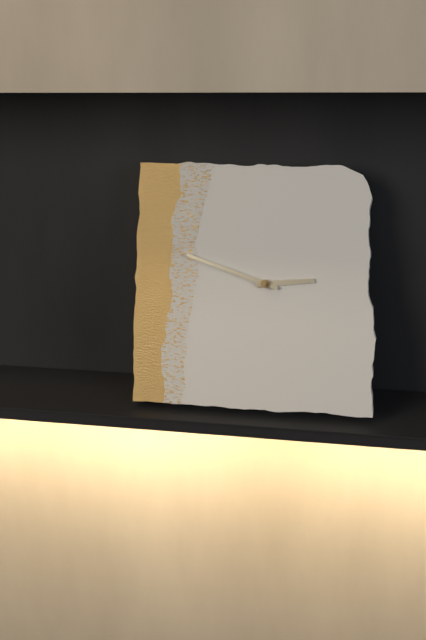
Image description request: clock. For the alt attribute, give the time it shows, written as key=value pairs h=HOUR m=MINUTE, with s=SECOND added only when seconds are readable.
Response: h=2 m=48
